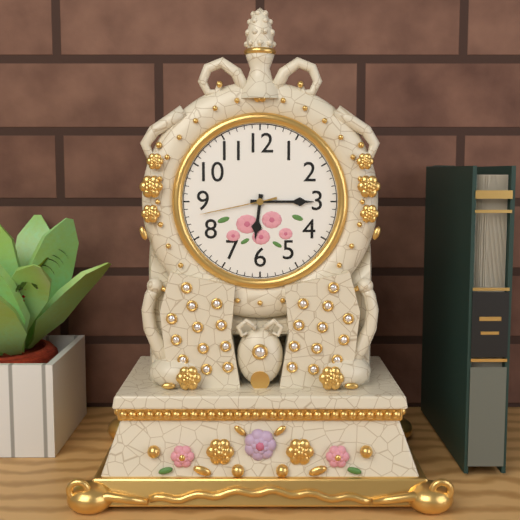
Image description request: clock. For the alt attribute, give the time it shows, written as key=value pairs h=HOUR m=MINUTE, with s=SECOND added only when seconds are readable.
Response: h=6 m=15 s=43
